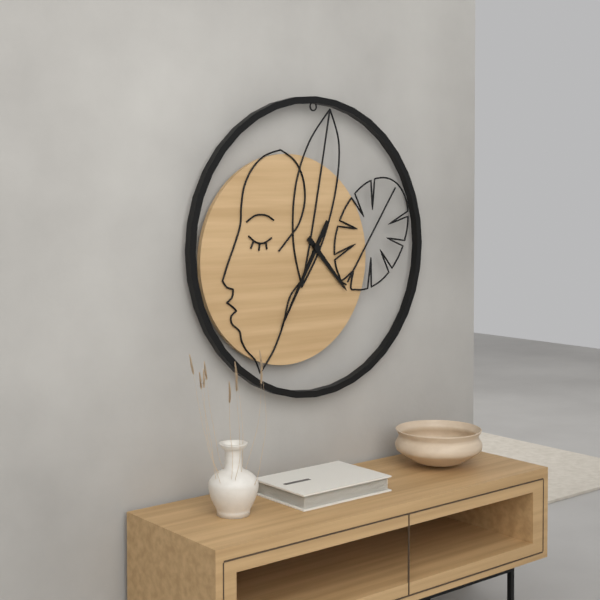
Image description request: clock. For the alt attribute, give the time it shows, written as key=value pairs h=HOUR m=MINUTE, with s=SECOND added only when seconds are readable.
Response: h=4 m=35
